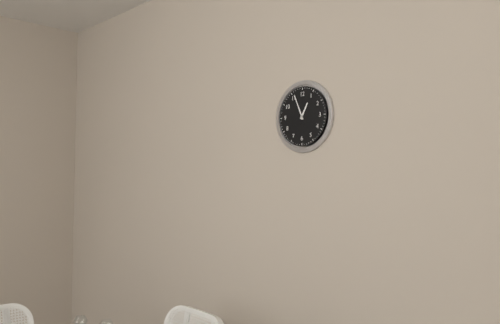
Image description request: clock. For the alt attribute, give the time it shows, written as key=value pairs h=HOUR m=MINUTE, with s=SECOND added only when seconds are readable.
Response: h=12 m=56
